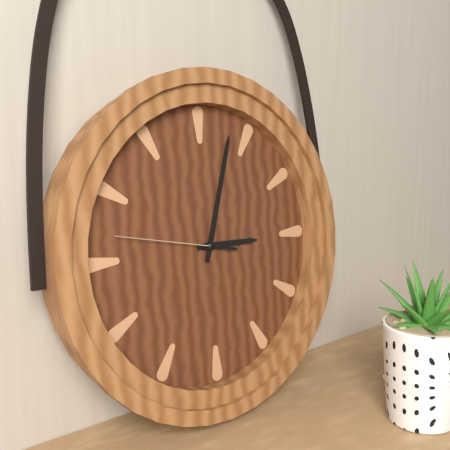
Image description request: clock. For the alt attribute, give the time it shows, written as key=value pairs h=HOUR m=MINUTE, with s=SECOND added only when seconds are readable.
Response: h=3 m=3 s=47
